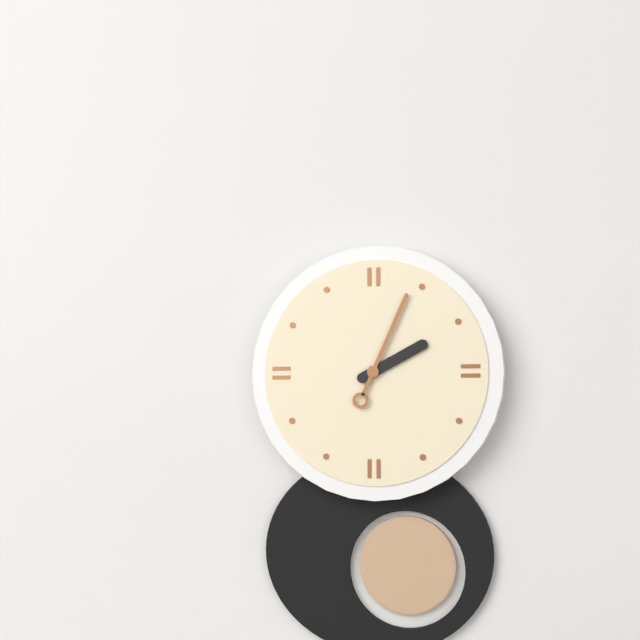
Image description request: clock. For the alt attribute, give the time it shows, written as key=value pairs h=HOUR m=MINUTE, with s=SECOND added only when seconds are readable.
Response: h=2 m=4
